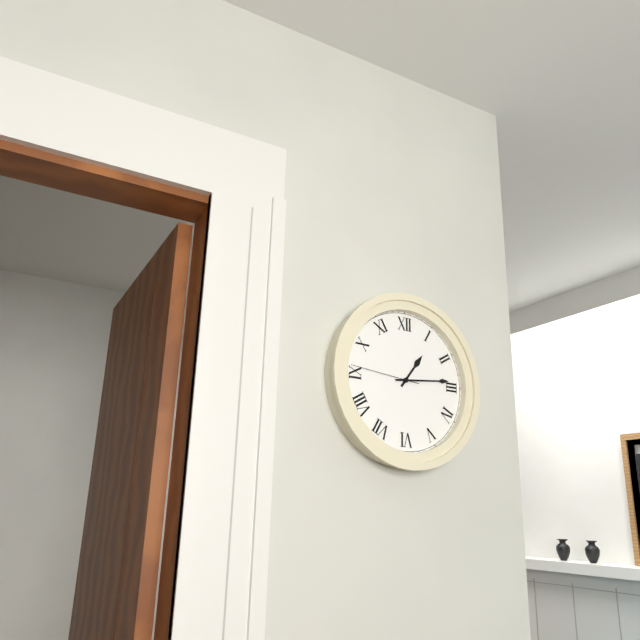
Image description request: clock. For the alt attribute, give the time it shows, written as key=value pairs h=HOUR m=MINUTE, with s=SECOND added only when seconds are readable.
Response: h=1 m=14 s=46
